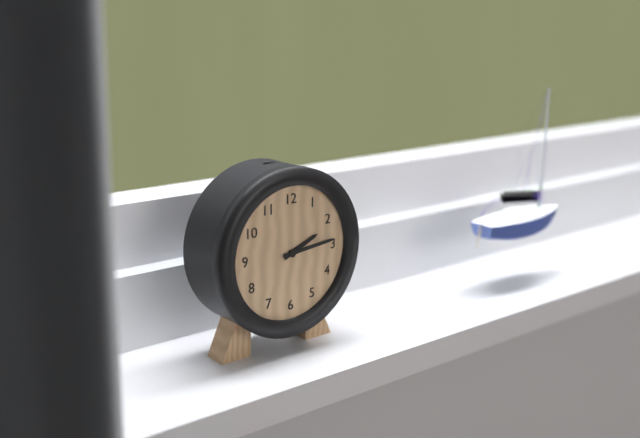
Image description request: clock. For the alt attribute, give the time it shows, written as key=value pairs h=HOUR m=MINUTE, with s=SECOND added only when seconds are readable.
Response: h=2 m=14
